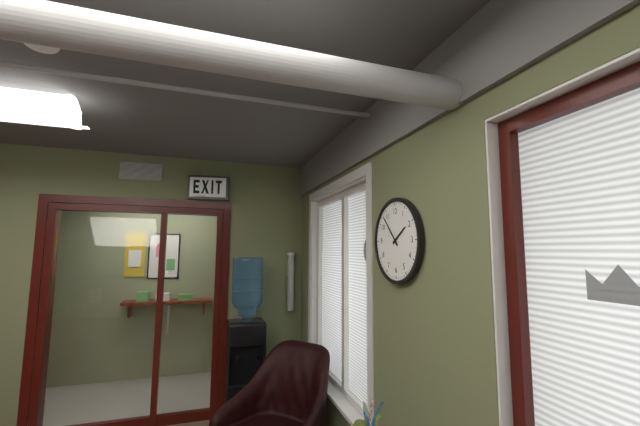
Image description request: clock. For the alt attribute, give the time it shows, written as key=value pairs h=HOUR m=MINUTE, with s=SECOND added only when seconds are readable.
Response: h=1 m=53
